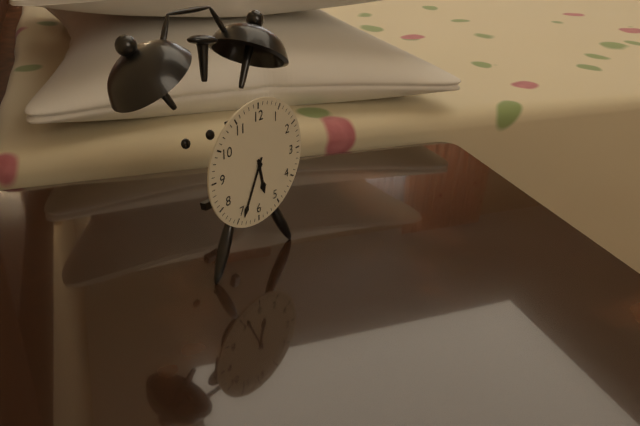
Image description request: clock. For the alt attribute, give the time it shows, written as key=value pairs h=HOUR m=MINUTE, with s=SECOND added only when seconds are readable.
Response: h=5 m=34
